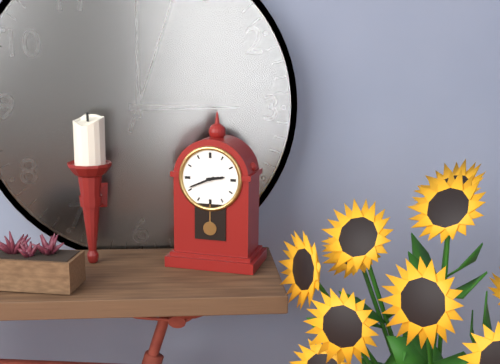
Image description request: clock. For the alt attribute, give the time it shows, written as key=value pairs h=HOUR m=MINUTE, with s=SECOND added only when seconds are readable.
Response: h=2 m=41
